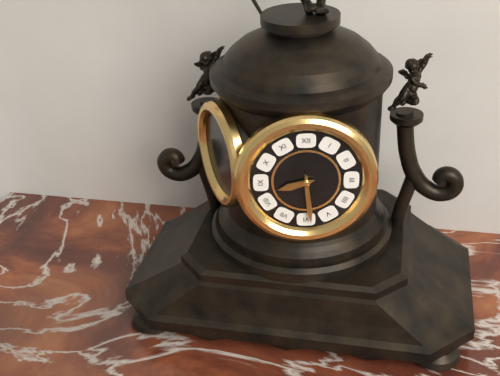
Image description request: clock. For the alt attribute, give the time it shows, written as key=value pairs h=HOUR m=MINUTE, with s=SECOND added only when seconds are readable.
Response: h=8 m=29
